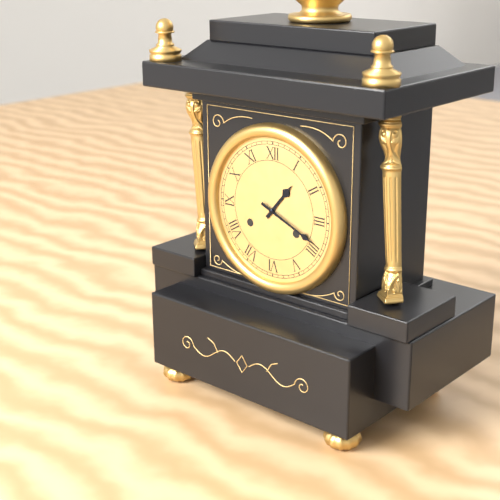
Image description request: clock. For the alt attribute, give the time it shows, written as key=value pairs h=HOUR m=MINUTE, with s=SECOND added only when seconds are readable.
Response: h=1 m=19
